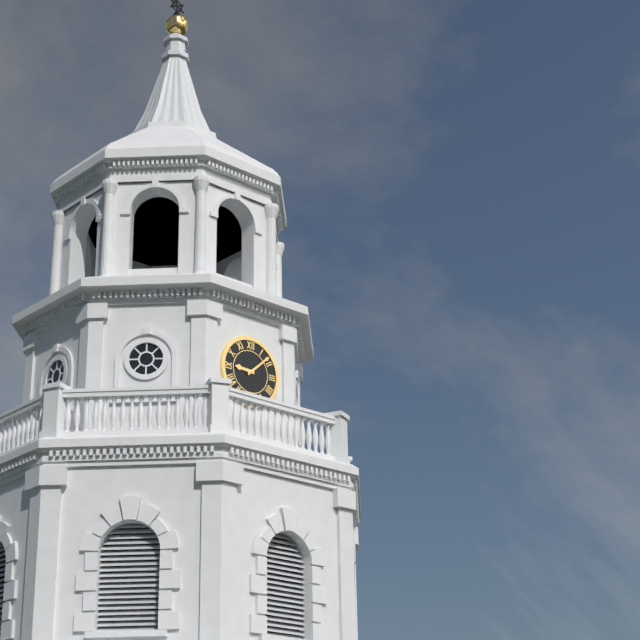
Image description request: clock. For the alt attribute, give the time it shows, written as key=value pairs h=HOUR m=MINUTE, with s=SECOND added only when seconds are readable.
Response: h=9 m=8
